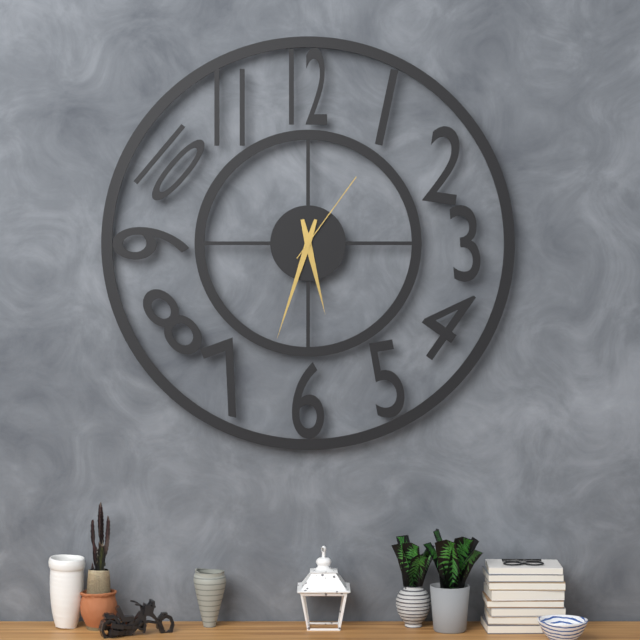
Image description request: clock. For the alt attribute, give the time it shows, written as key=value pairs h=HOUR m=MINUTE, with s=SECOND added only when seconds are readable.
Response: h=5 m=33 s=6
